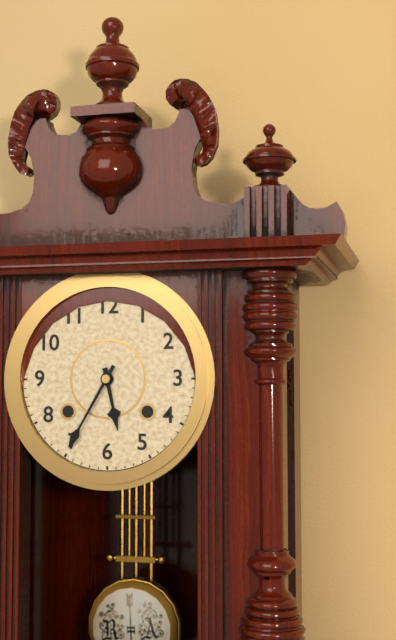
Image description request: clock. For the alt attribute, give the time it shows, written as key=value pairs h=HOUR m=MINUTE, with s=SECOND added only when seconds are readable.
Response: h=5 m=35
